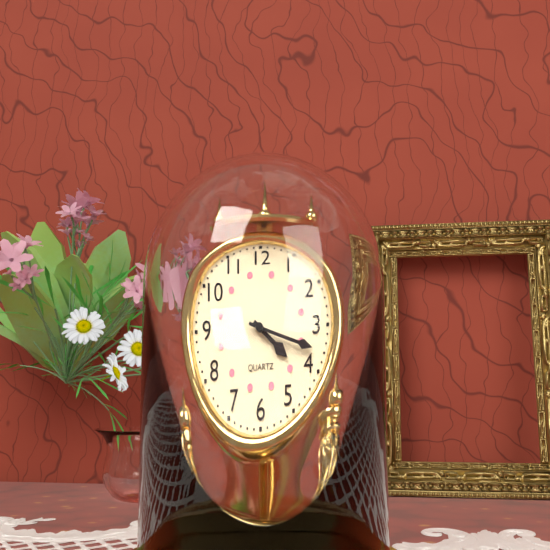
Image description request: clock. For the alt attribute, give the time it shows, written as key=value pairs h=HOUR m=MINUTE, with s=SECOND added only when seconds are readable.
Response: h=4 m=18
